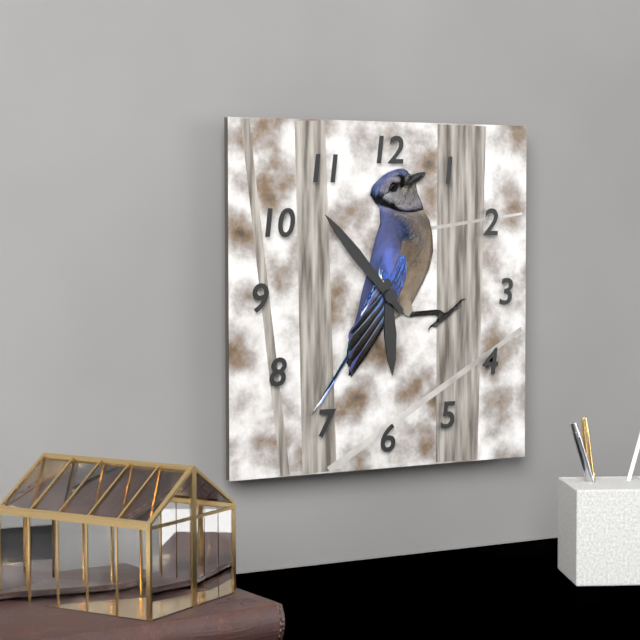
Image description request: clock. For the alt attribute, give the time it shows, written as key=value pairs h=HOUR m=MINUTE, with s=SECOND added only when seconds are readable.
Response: h=5 m=53
